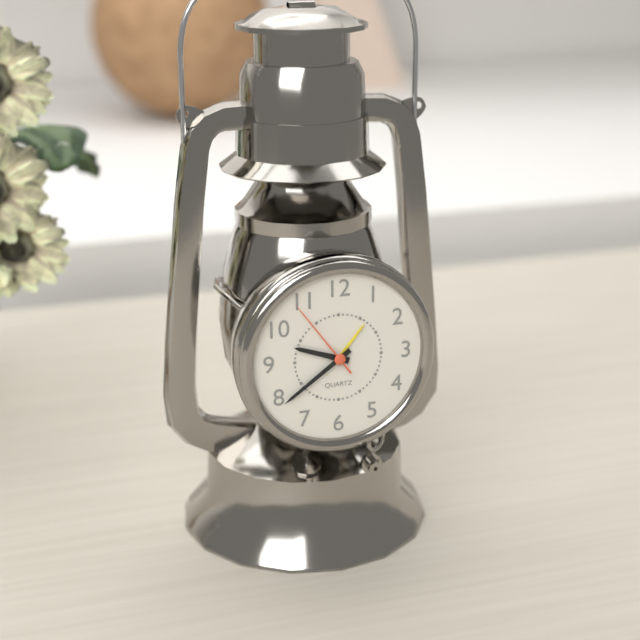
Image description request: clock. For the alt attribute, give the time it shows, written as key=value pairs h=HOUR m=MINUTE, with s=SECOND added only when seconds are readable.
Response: h=9 m=39 s=54
